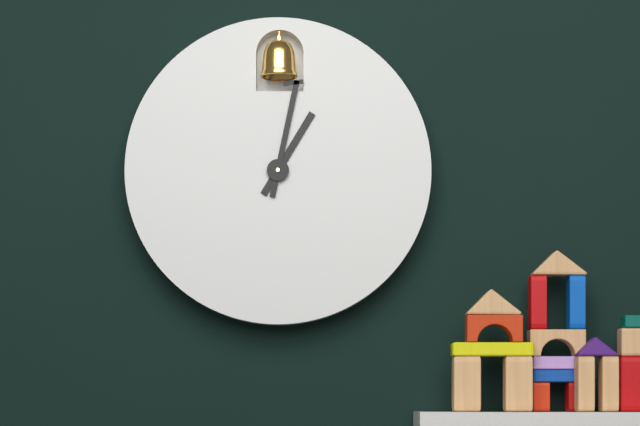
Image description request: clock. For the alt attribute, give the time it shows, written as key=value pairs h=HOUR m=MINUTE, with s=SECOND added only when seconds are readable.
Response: h=1 m=2
